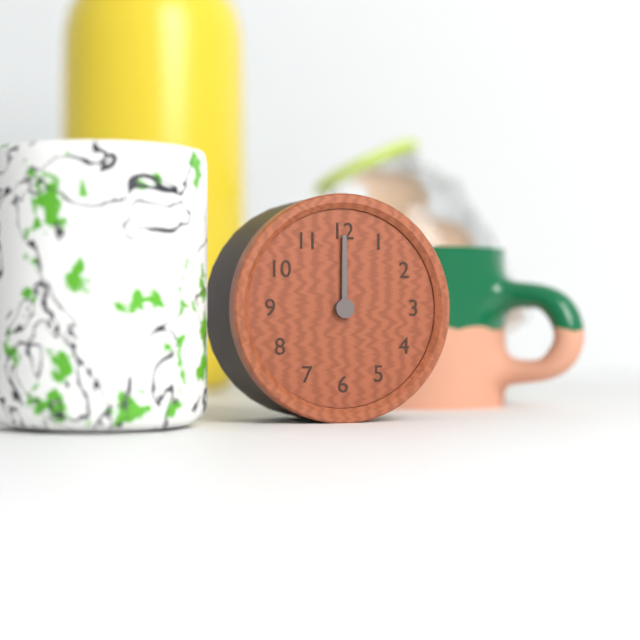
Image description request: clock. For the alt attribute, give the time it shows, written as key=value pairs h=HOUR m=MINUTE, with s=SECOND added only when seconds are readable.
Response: h=12 m=0
